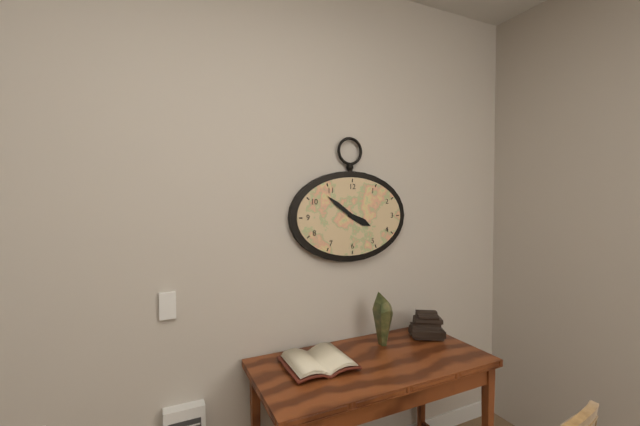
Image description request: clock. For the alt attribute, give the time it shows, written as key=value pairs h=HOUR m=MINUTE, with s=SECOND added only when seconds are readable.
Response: h=3 m=51
